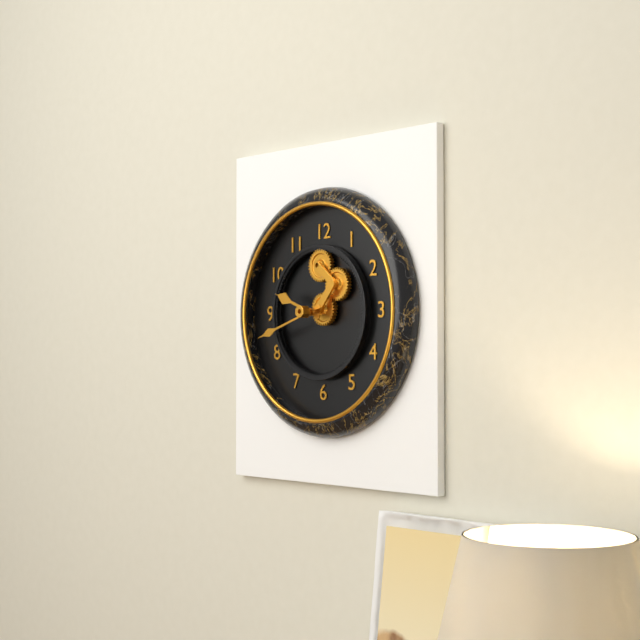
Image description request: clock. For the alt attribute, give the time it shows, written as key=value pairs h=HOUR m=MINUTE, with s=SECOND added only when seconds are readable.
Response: h=9 m=42
